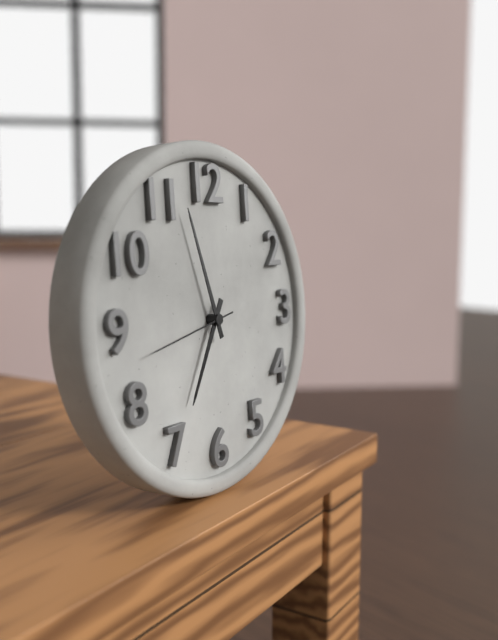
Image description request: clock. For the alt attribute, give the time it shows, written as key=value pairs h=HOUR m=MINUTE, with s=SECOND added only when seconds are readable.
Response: h=6 m=57 s=43
